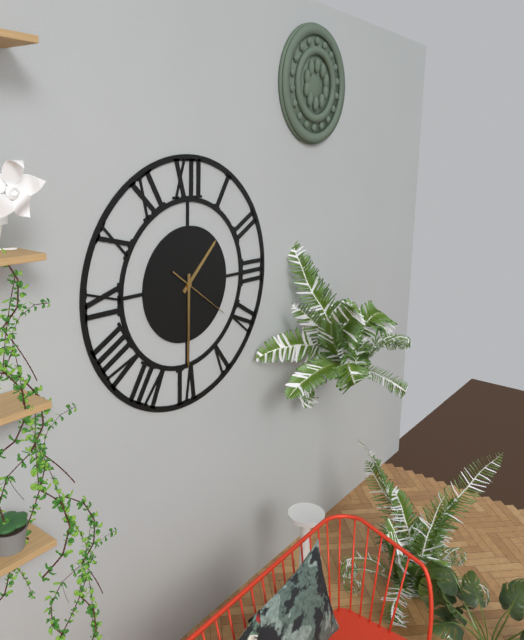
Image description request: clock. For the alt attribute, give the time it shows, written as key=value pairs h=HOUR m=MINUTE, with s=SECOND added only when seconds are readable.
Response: h=1 m=30 s=21
